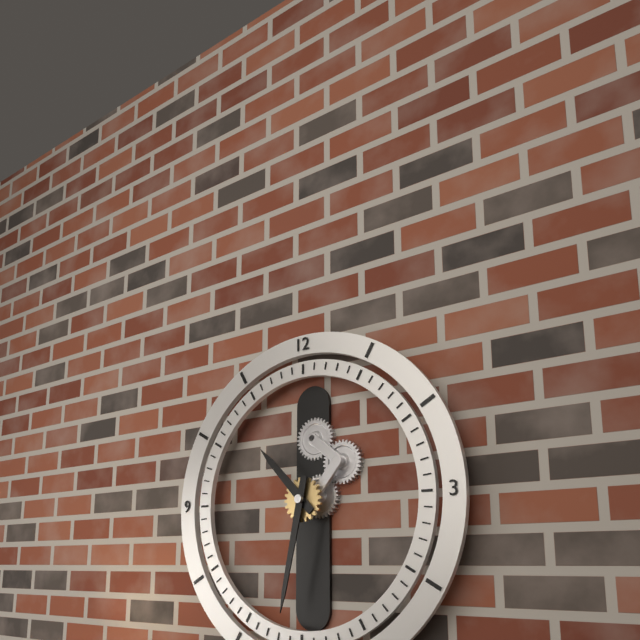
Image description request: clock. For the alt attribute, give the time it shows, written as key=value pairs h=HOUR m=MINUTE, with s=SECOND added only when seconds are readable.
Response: h=10 m=32
